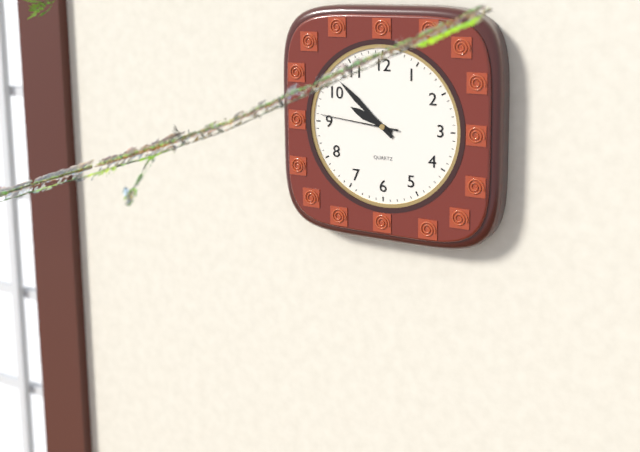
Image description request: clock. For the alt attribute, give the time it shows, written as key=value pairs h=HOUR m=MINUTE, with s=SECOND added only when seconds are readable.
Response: h=9 m=52 s=46
